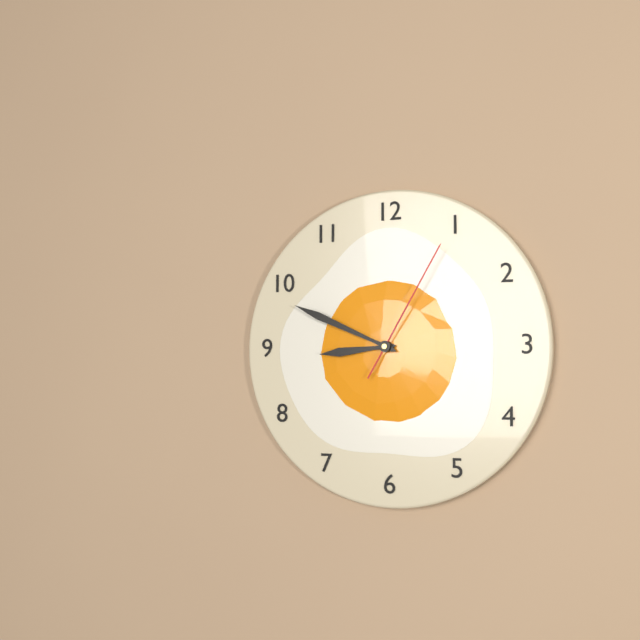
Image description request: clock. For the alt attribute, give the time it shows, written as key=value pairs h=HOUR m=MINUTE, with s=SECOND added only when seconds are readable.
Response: h=8 m=49 s=5
